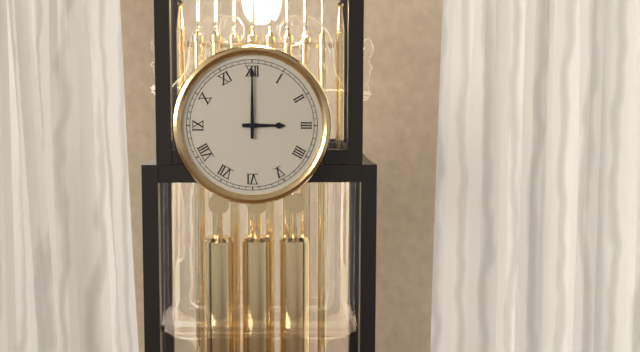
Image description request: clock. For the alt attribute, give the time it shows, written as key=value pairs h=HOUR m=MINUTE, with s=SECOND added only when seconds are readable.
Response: h=3 m=0
